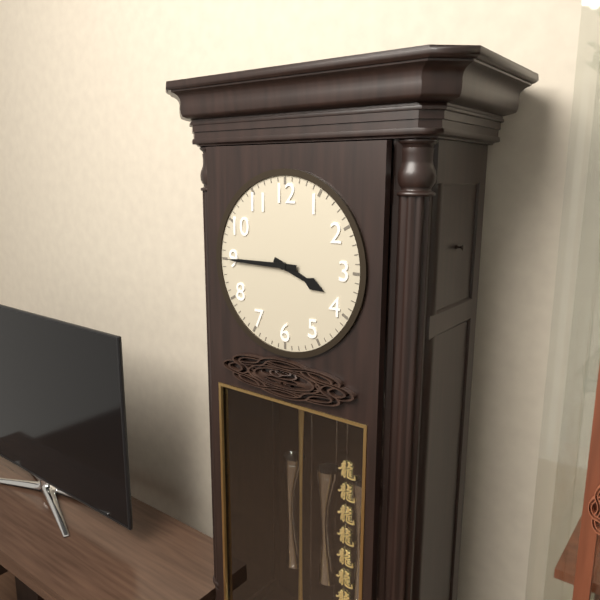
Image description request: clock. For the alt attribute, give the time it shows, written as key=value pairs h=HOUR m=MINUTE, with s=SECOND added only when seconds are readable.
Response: h=3 m=45
